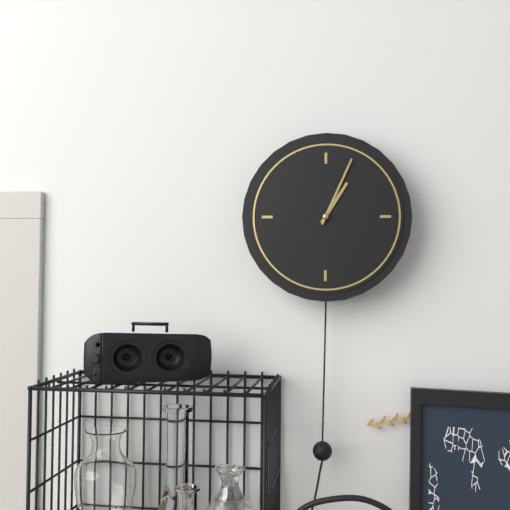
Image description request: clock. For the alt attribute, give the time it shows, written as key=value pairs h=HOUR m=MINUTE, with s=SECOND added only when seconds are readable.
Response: h=1 m=4
